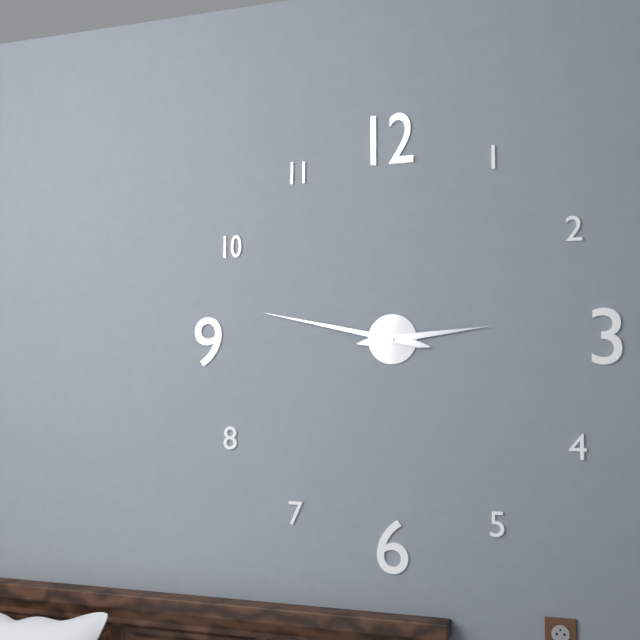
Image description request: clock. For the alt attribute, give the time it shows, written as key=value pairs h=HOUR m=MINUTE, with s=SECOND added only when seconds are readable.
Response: h=2 m=47
